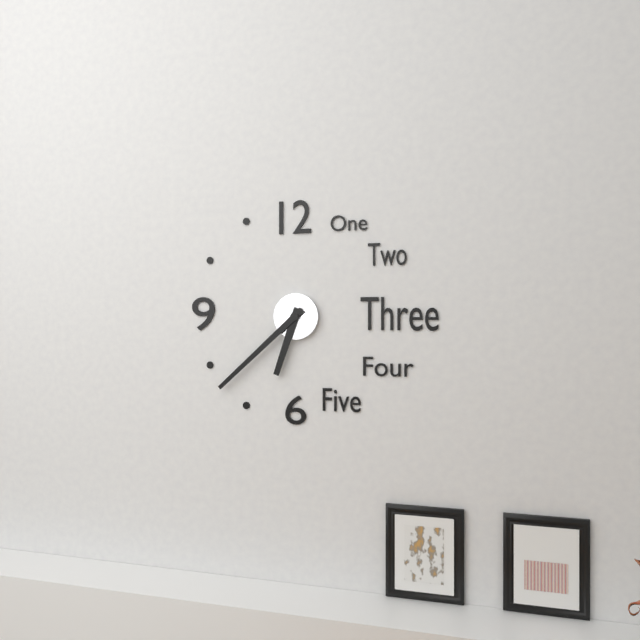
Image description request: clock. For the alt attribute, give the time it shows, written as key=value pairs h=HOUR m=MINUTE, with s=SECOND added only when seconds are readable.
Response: h=6 m=38
